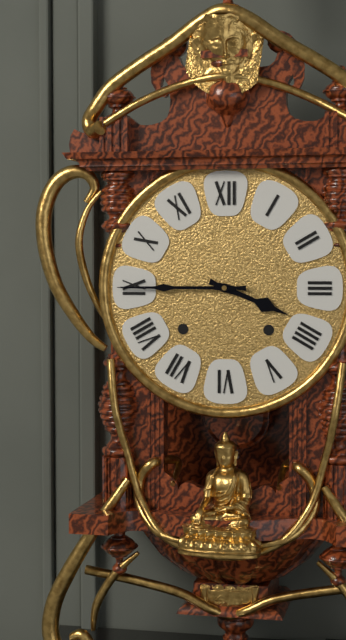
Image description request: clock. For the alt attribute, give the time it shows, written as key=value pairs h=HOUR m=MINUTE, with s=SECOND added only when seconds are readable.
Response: h=3 m=45
